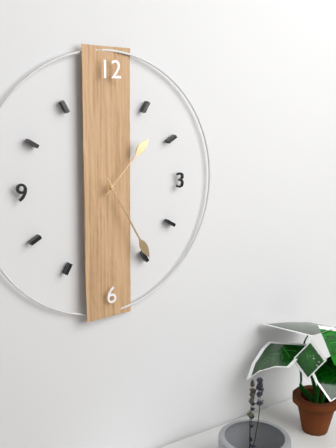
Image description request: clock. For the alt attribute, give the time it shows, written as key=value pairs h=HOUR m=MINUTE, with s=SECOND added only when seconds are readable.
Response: h=1 m=25
